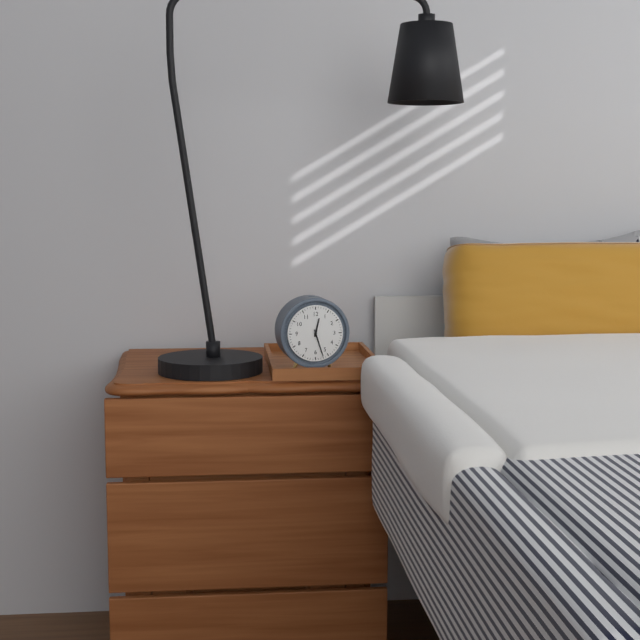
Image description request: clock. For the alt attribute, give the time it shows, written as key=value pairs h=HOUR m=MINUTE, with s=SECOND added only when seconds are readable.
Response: h=12 m=27
